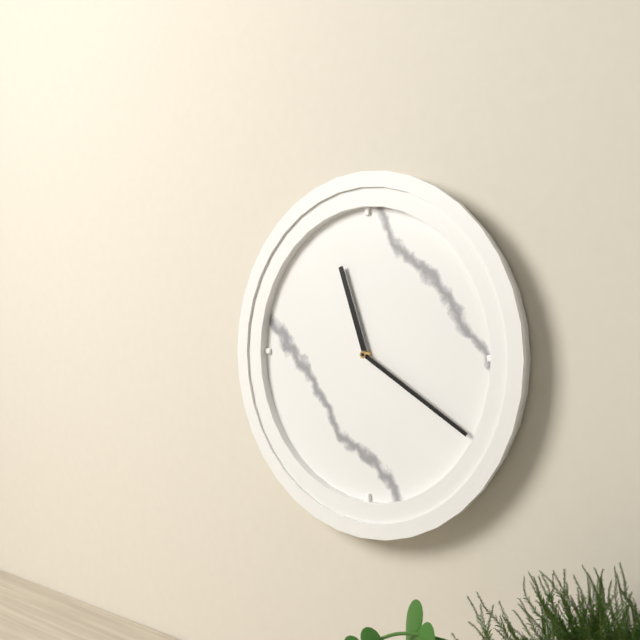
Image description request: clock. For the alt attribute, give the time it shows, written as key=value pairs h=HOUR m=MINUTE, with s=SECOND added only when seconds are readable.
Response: h=11 m=20
